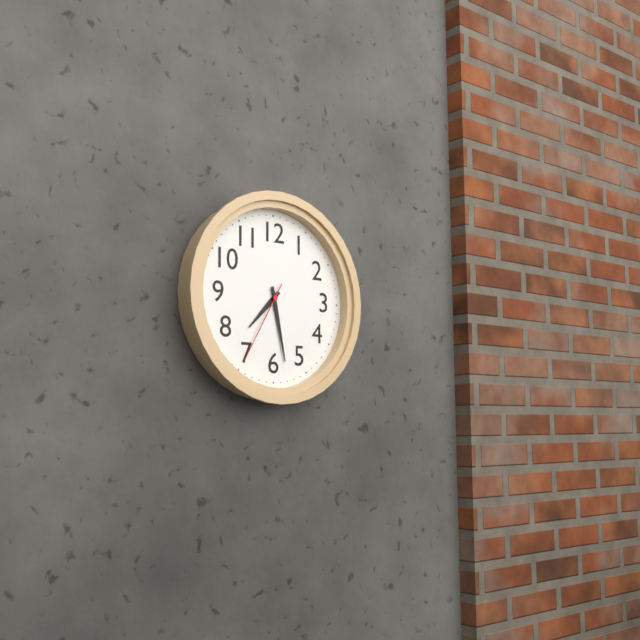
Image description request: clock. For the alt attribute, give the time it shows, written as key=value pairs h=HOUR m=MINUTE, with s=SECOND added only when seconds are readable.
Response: h=7 m=28 s=35
